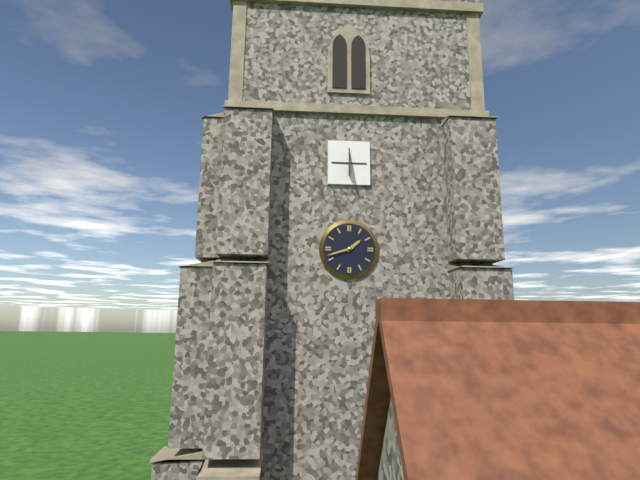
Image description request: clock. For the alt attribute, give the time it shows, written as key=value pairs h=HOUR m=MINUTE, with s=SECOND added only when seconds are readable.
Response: h=1 m=42
